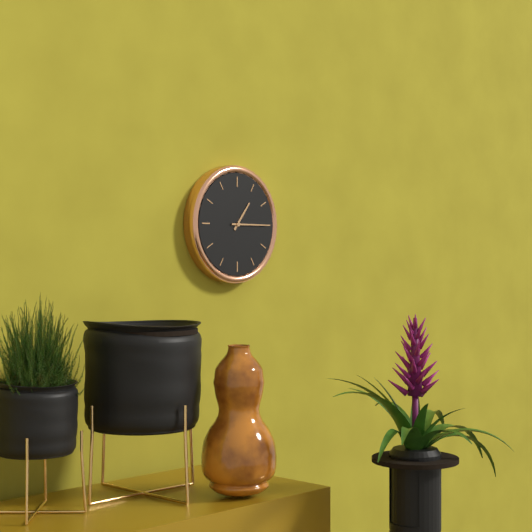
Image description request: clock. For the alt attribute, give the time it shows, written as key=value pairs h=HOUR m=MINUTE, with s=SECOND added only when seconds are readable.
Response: h=1 m=15
